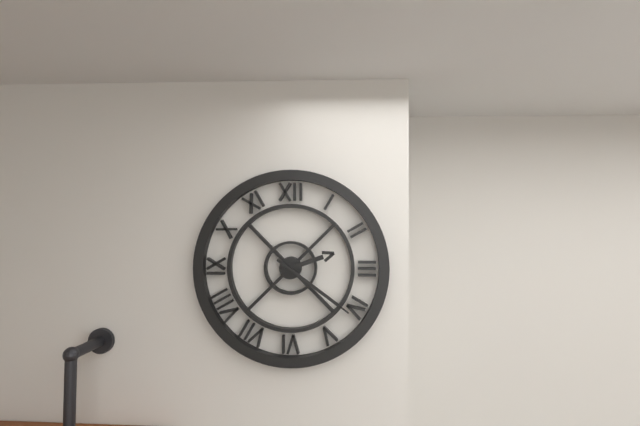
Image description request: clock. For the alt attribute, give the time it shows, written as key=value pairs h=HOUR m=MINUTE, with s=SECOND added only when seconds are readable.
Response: h=2 m=21
